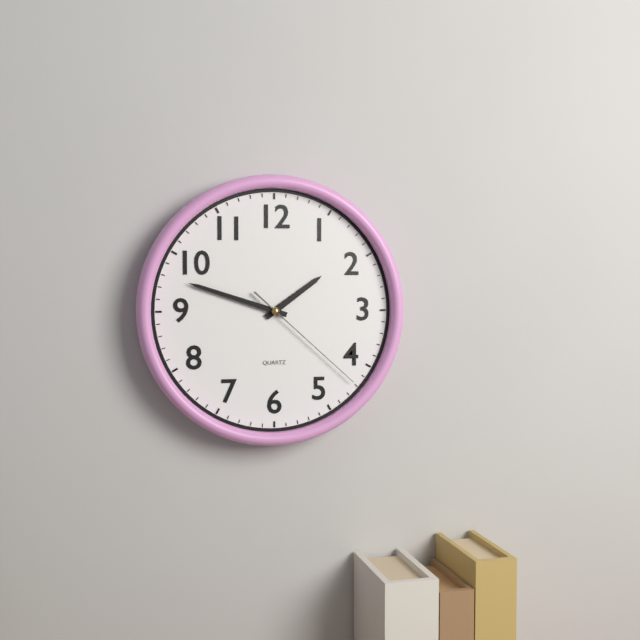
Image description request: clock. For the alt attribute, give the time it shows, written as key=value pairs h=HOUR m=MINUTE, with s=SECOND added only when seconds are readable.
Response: h=1 m=48 s=22
